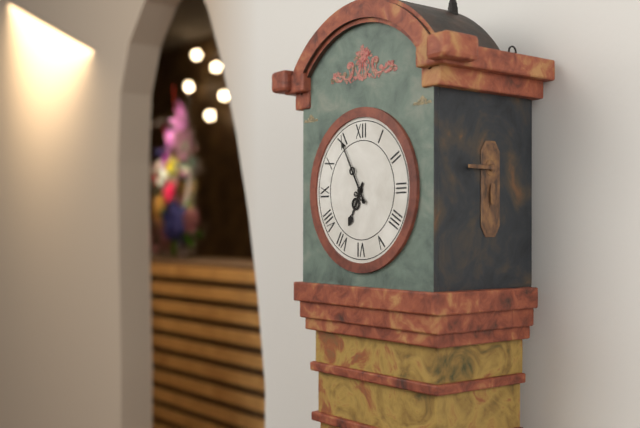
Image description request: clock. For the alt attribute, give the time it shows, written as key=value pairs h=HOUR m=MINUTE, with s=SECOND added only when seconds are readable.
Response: h=6 m=55
